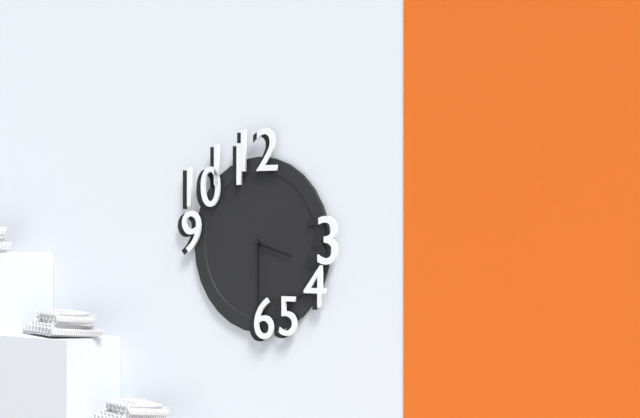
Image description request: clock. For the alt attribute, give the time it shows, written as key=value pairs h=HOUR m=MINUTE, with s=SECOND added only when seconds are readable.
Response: h=3 m=30
